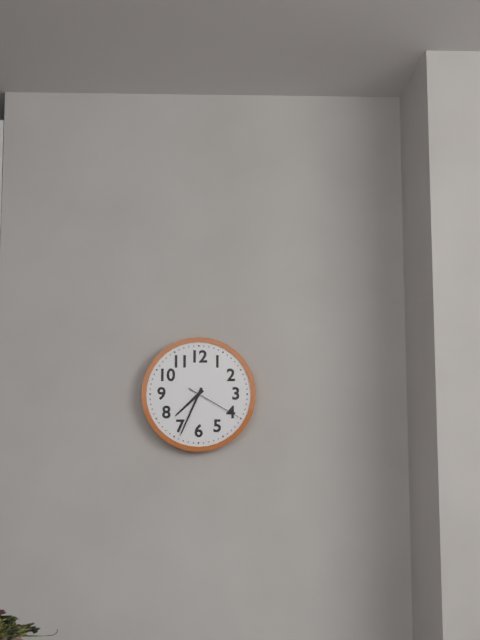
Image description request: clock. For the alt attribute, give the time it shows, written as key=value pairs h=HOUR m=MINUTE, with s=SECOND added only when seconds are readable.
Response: h=7 m=34 s=20
